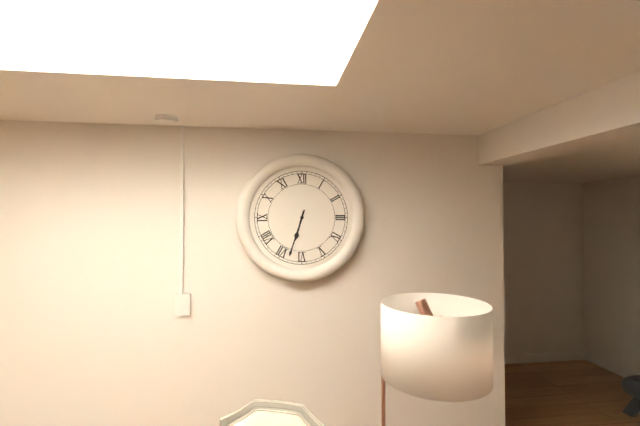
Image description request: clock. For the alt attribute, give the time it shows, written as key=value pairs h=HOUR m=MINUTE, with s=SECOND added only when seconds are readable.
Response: h=6 m=33
